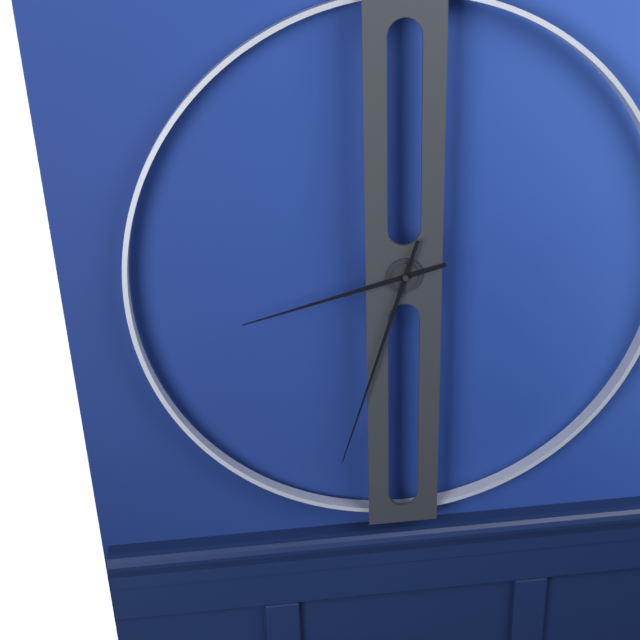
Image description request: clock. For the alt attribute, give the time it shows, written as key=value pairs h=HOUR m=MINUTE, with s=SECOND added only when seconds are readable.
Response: h=8 m=33
